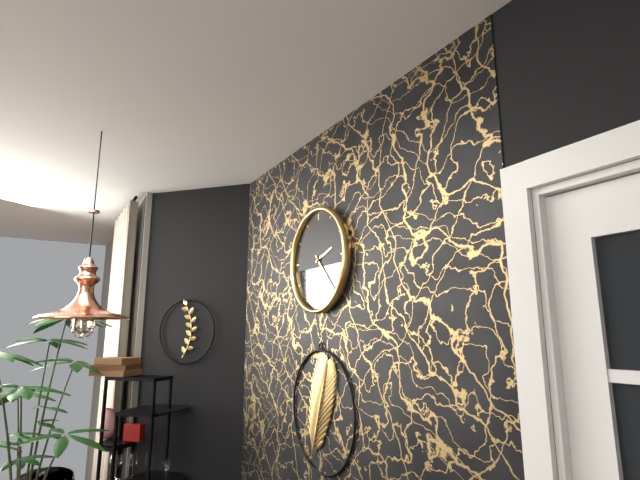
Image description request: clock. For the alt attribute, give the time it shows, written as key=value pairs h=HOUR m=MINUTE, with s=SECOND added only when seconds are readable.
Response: h=2 m=23
